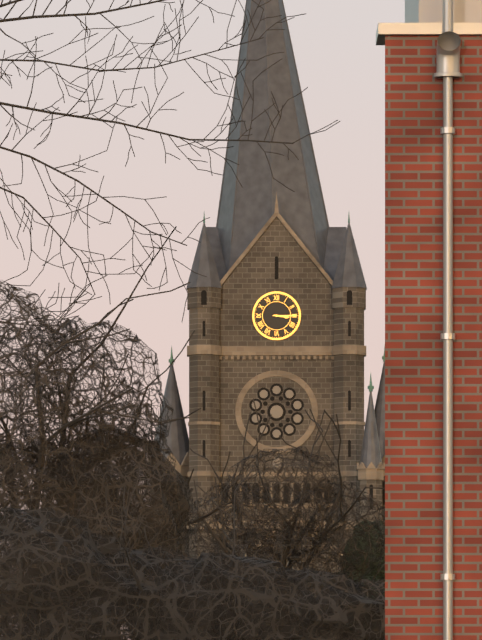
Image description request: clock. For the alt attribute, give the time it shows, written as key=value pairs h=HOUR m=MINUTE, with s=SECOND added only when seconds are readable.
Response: h=3 m=15
